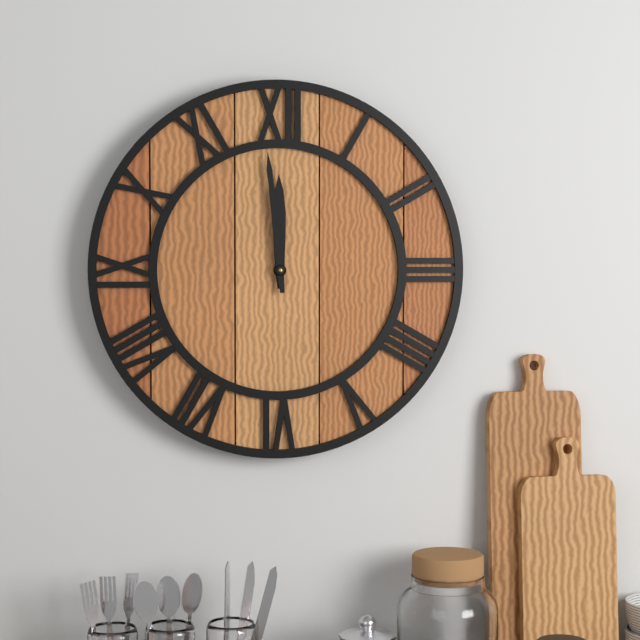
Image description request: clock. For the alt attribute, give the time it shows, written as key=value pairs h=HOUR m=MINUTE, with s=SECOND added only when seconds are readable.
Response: h=11 m=59
